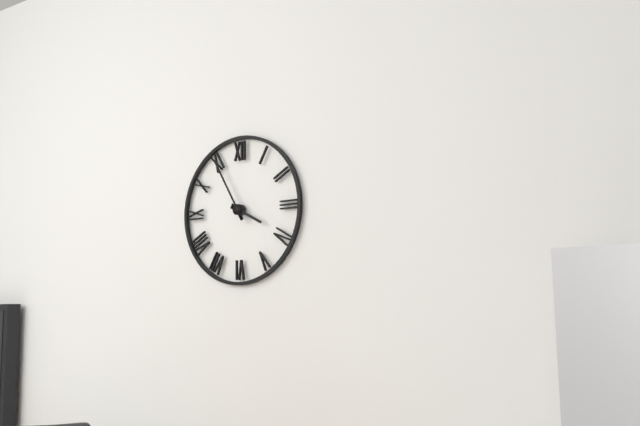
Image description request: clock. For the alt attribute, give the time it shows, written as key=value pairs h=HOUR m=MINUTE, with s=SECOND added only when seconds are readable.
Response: h=3 m=55
